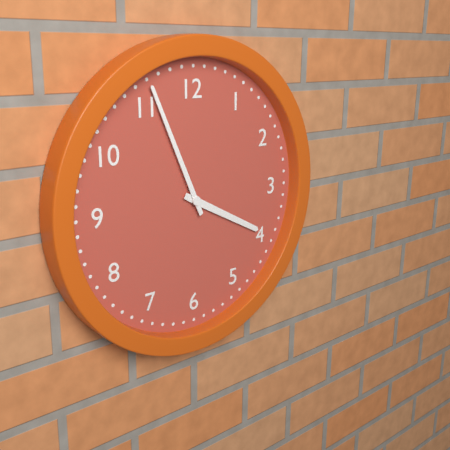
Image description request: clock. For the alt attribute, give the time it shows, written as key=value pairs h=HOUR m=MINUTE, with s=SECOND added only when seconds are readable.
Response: h=3 m=56
